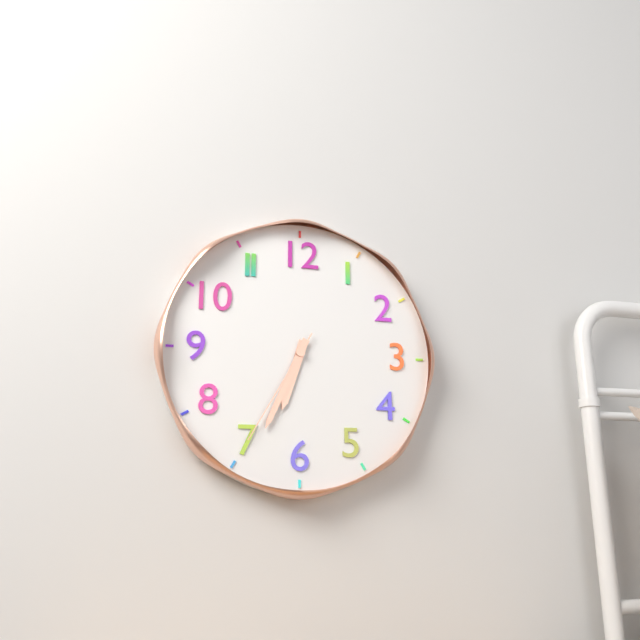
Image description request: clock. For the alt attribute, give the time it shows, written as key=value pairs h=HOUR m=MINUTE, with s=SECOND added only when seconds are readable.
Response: h=6 m=34 s=35
